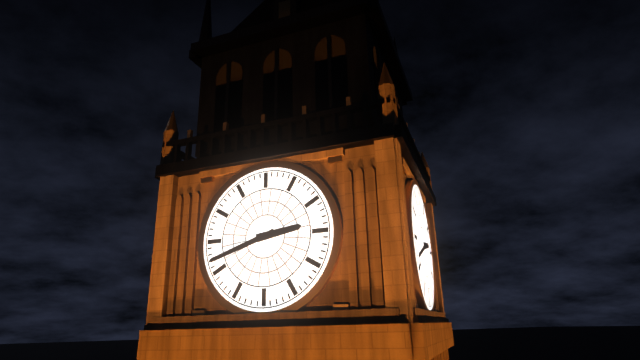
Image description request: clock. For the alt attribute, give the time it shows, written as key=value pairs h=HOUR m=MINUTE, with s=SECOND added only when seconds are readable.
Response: h=2 m=42
